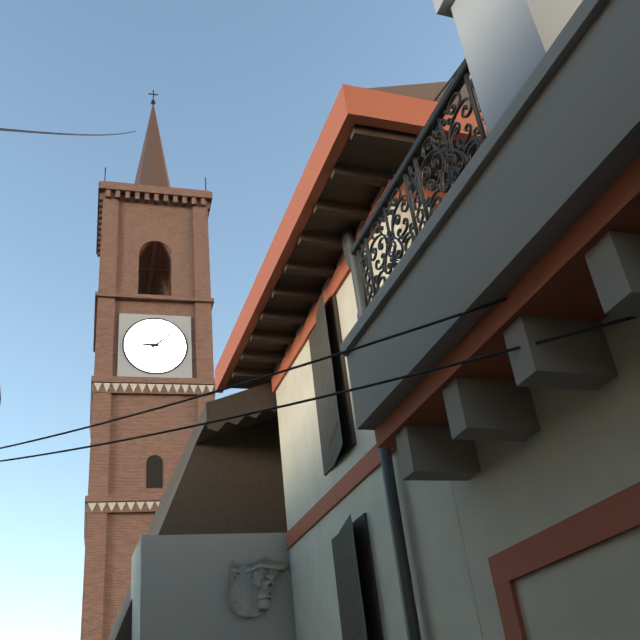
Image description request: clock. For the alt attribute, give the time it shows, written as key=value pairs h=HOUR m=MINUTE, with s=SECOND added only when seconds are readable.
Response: h=9 m=8
